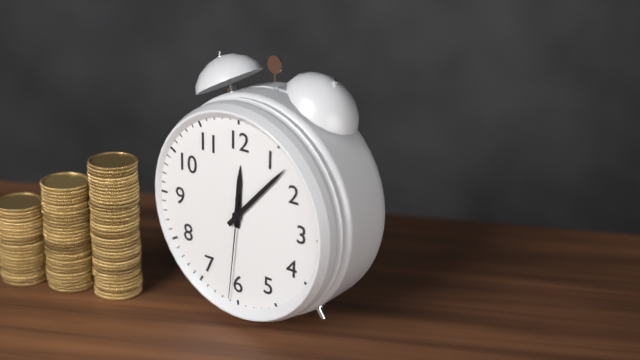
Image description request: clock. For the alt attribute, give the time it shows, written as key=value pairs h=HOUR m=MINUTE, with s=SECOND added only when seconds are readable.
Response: h=12 m=7 s=31
